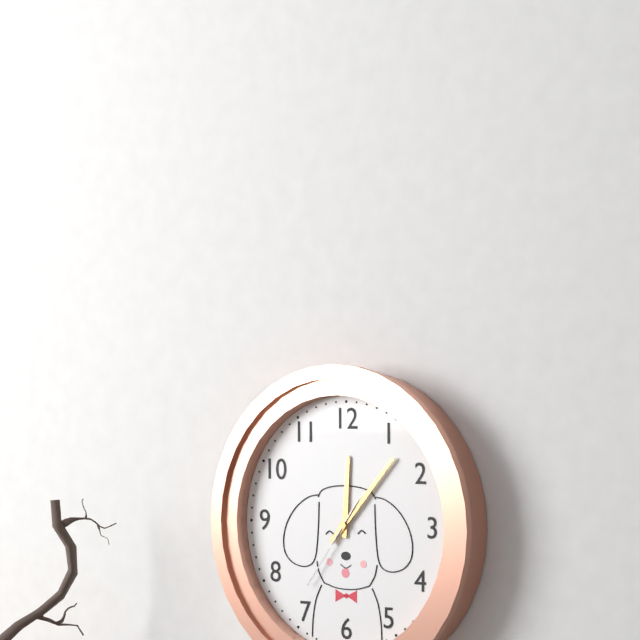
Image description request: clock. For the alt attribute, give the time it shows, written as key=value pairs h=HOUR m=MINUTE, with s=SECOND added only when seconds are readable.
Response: h=12 m=7 s=36
